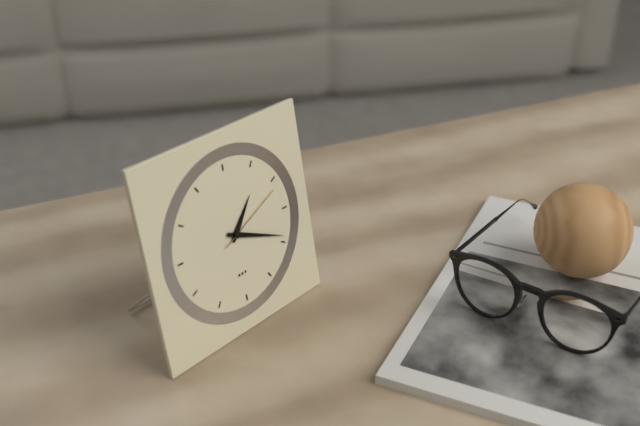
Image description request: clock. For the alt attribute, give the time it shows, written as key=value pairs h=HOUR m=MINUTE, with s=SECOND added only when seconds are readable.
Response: h=1 m=19 s=11
